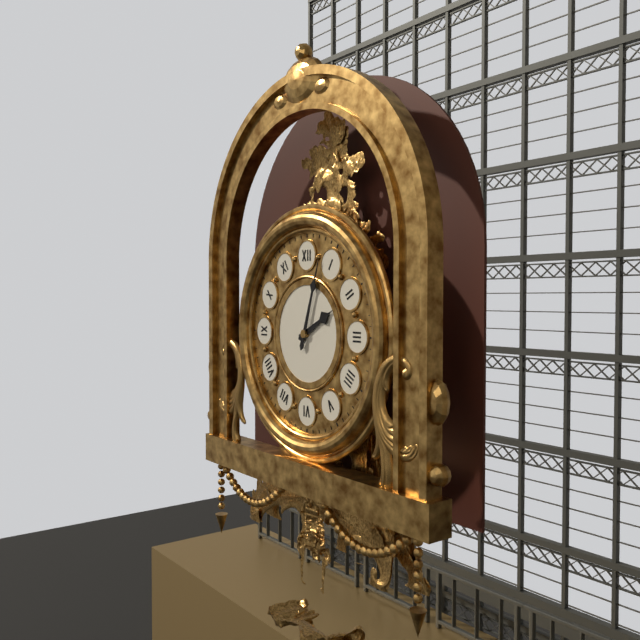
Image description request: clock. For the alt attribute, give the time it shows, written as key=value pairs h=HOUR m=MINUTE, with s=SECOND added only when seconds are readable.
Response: h=2 m=3
